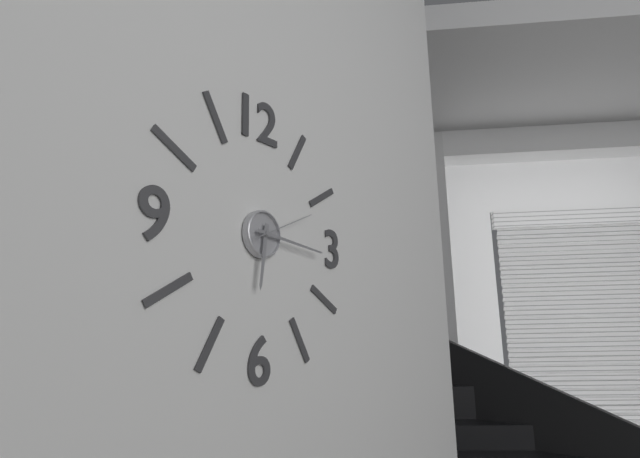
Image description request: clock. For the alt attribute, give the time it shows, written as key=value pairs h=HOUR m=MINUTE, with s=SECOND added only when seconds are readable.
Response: h=6 m=16 s=11
